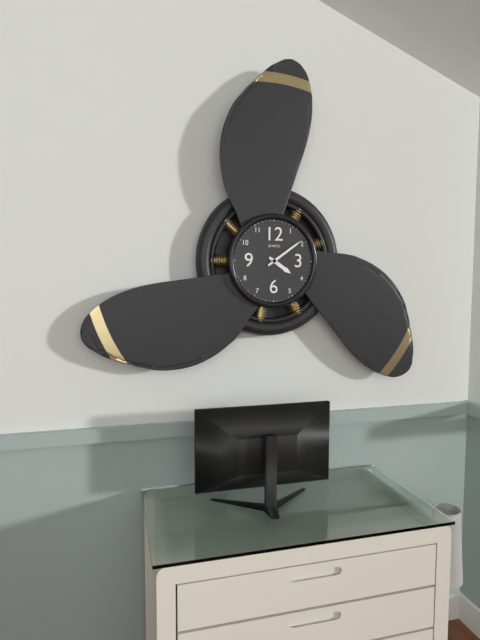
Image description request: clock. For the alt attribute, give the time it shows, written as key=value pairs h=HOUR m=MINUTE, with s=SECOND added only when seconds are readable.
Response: h=4 m=9
